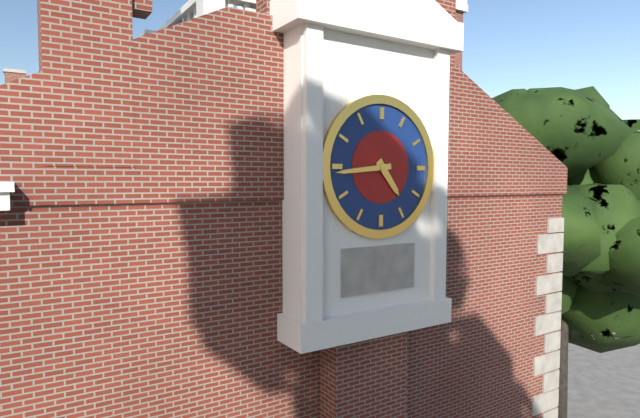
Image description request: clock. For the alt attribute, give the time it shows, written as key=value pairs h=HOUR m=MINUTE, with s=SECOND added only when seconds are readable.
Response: h=4 m=44
